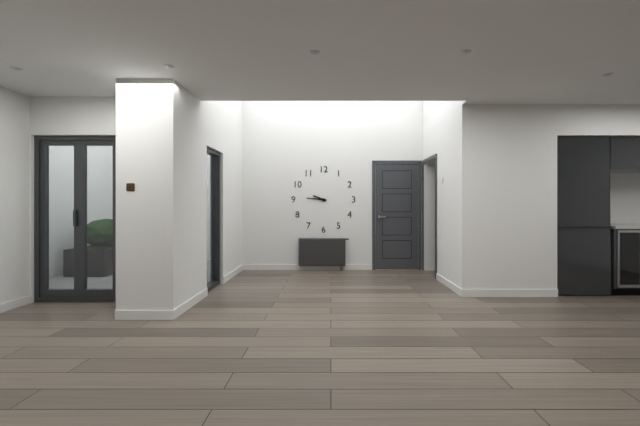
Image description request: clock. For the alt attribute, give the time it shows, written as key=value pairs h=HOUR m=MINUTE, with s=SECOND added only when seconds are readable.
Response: h=9 m=46
